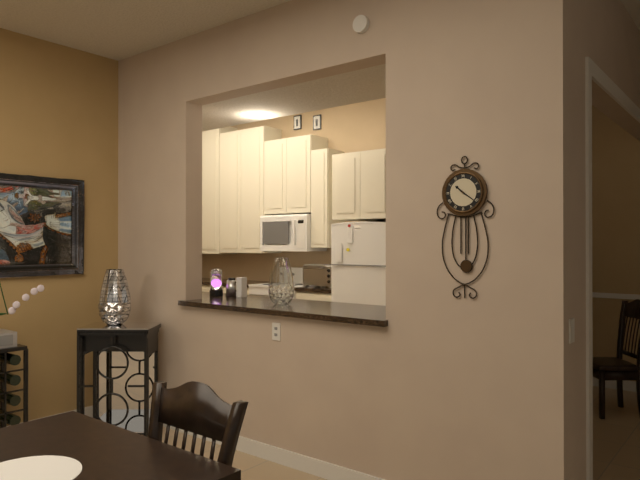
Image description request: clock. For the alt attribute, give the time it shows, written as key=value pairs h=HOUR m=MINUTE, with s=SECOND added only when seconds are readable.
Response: h=10 m=21
